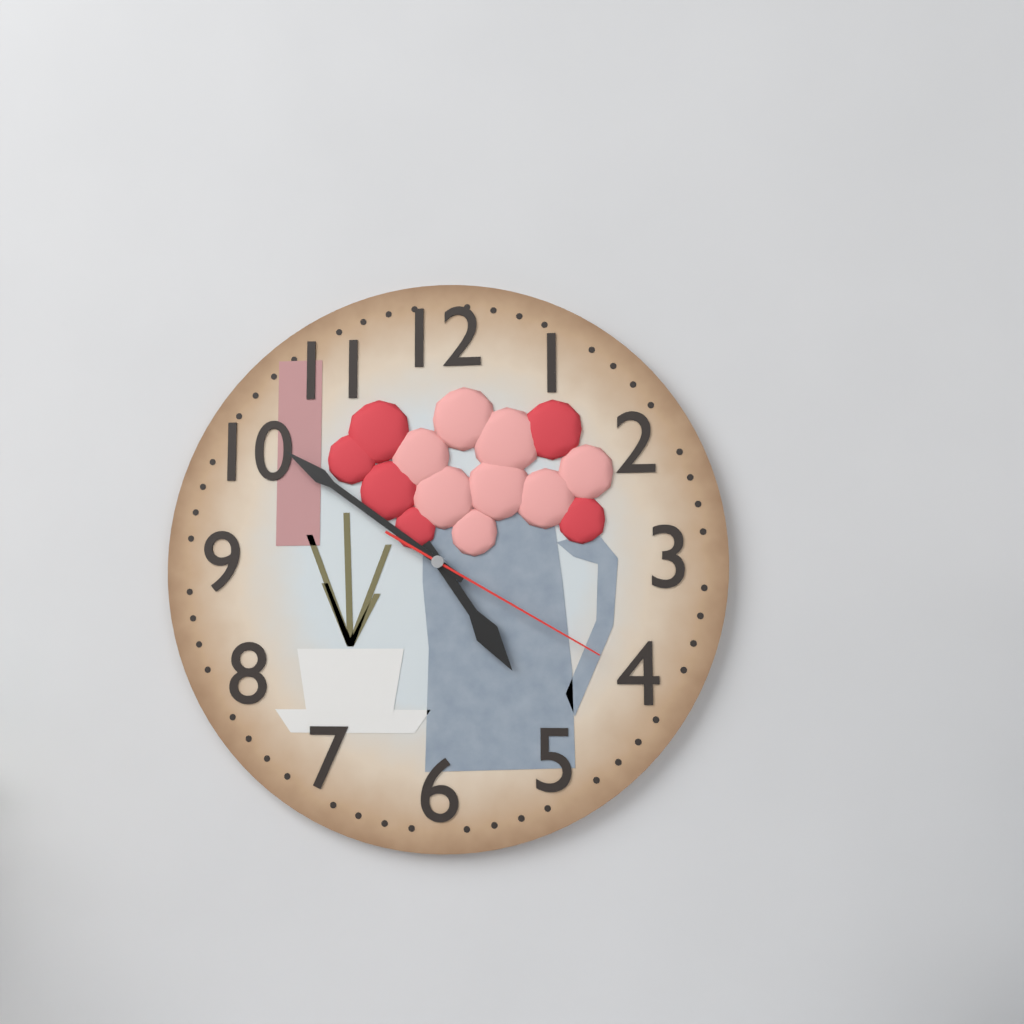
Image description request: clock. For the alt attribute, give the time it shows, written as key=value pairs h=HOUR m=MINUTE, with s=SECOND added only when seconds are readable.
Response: h=4 m=51 s=20
